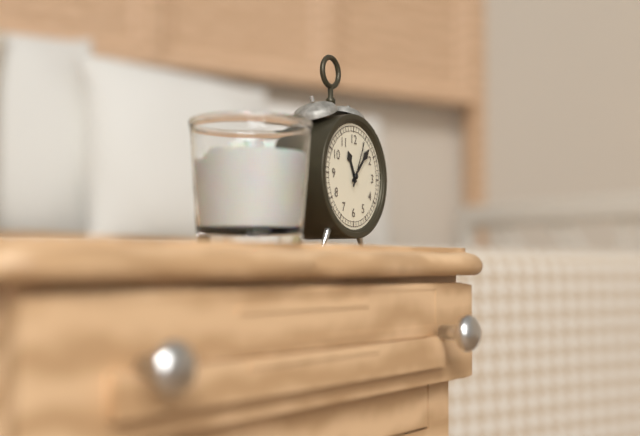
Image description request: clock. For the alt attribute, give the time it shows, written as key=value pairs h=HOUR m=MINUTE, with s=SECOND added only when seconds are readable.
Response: h=11 m=7
